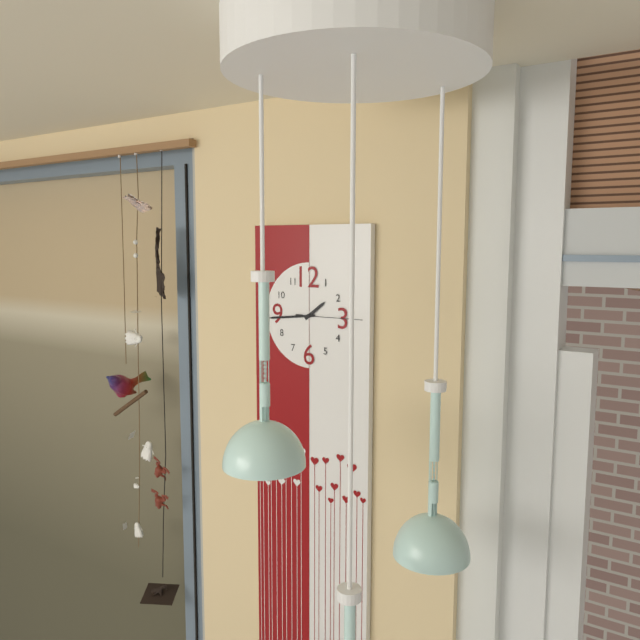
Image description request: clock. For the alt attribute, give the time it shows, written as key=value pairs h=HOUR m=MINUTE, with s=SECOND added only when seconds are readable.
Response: h=1 m=44 s=15
